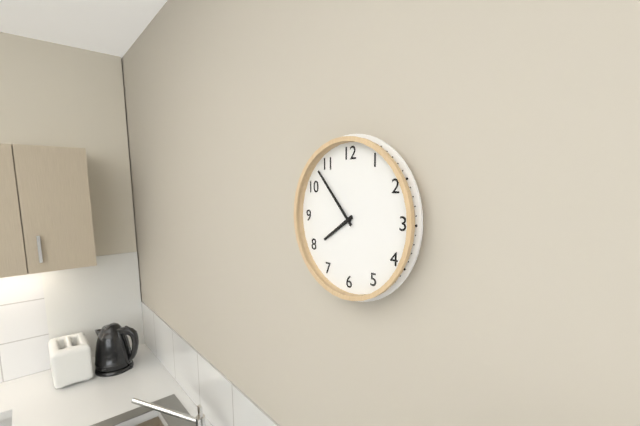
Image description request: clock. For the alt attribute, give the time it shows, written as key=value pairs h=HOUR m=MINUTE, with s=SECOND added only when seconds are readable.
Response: h=7 m=53
